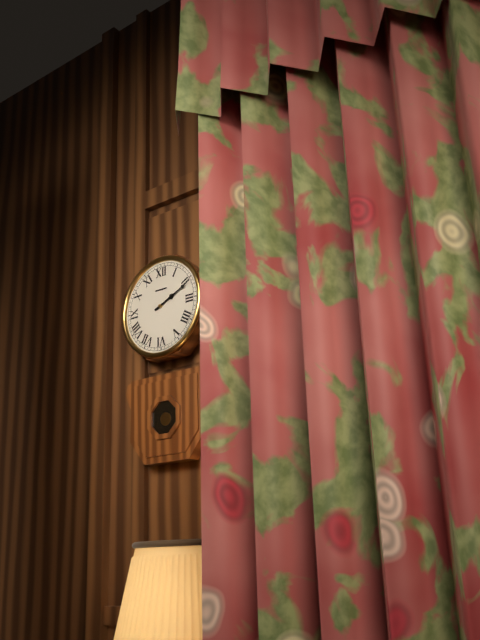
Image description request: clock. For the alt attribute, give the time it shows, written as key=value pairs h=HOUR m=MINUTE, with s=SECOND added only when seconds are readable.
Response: h=2 m=11
